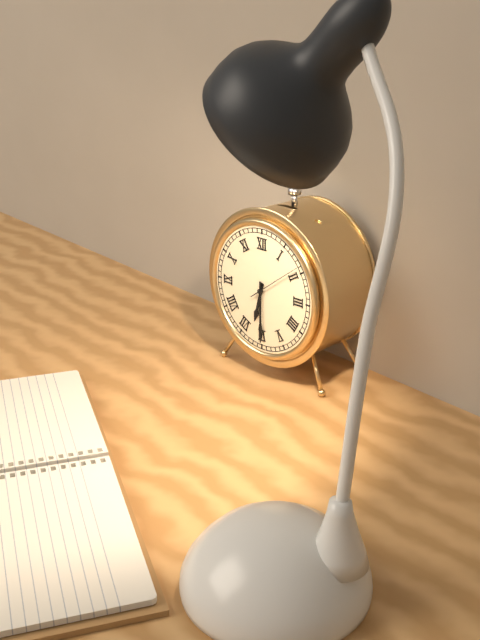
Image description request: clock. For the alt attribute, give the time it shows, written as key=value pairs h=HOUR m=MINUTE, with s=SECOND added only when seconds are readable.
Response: h=6 m=30
